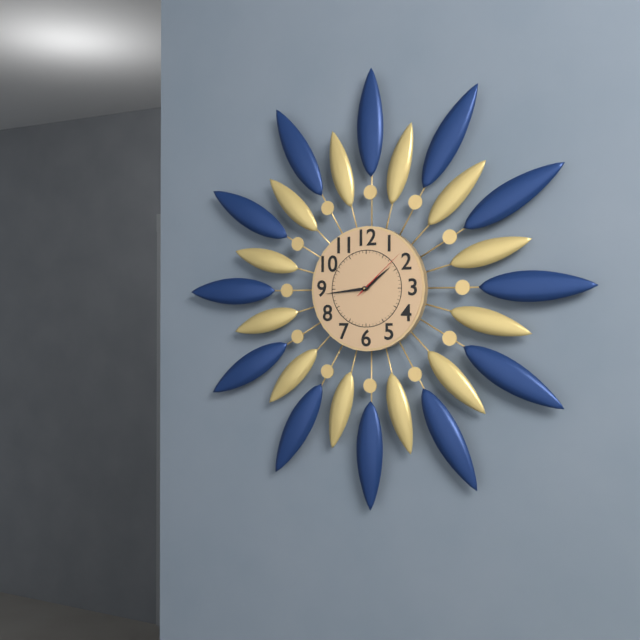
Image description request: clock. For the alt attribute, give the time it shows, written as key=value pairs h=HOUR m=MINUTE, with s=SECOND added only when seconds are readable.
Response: h=1 m=44 s=8
